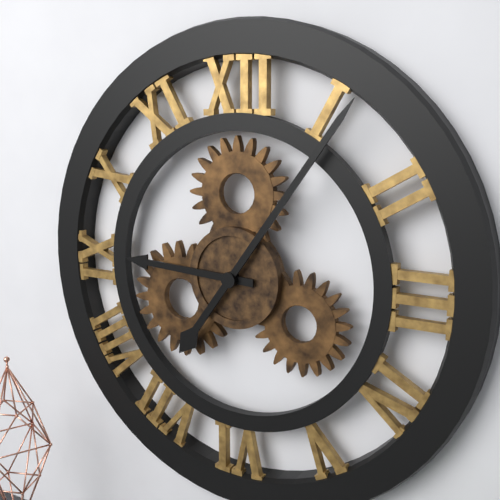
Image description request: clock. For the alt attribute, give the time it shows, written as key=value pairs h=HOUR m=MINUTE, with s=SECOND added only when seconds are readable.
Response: h=9 m=6
